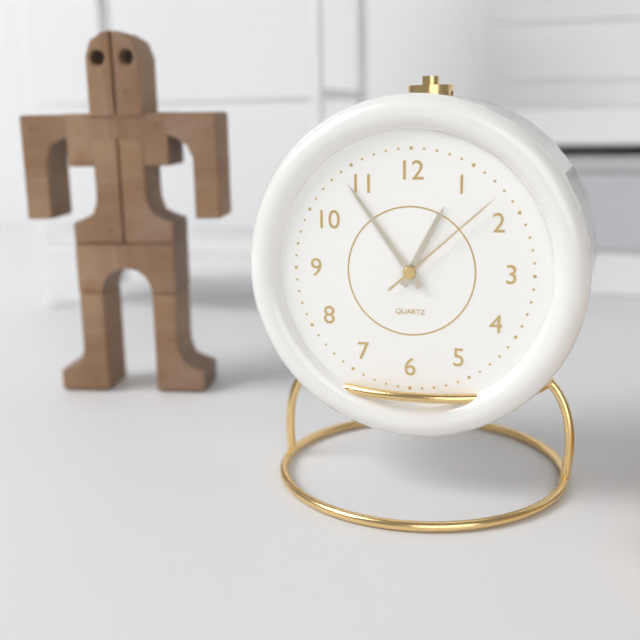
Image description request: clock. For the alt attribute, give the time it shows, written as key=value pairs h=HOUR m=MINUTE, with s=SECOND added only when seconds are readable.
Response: h=12 m=54 s=8
